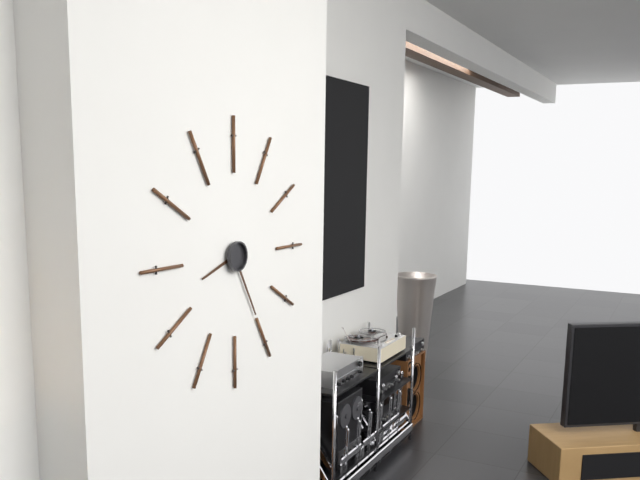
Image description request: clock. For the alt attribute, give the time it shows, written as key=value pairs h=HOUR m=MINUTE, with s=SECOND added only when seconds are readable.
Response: h=8 m=25
